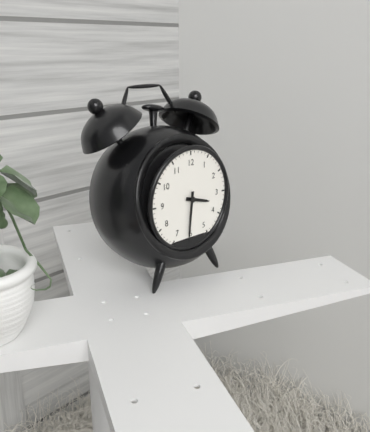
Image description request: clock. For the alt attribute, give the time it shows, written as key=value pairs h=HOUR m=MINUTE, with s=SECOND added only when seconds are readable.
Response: h=3 m=31
